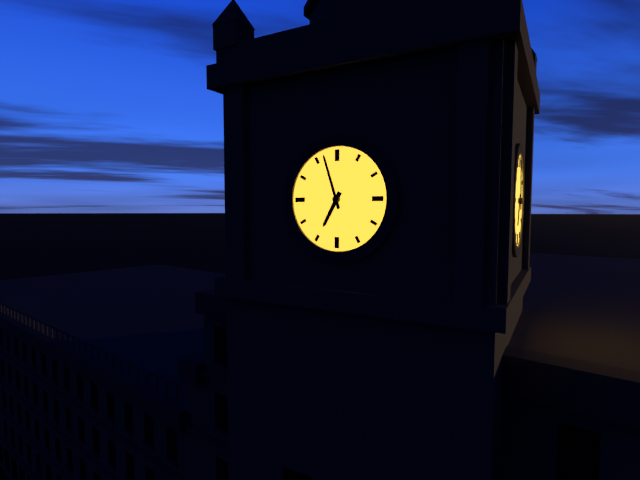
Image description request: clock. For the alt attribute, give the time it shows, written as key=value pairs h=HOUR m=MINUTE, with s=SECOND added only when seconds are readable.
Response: h=6 m=57
